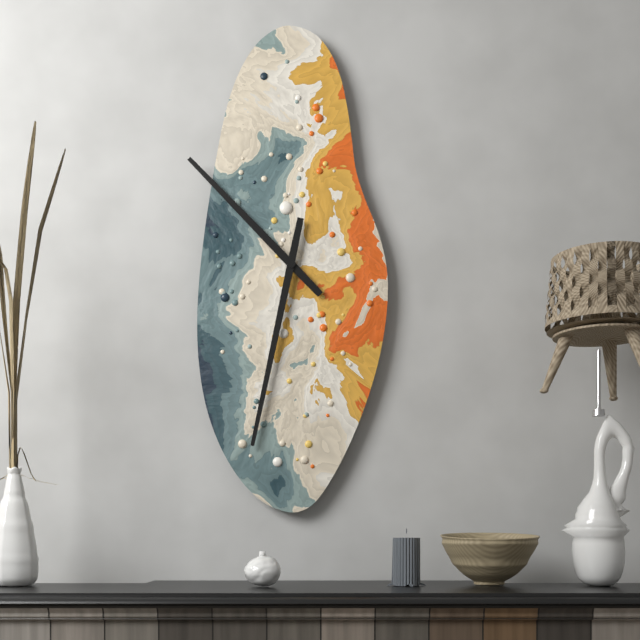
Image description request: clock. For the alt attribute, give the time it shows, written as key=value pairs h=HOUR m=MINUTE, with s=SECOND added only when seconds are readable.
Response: h=10 m=32
